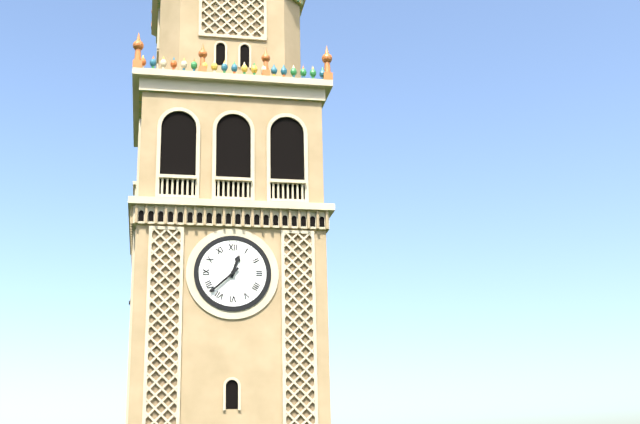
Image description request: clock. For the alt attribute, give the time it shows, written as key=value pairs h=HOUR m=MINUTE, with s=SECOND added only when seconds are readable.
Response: h=12 m=38
